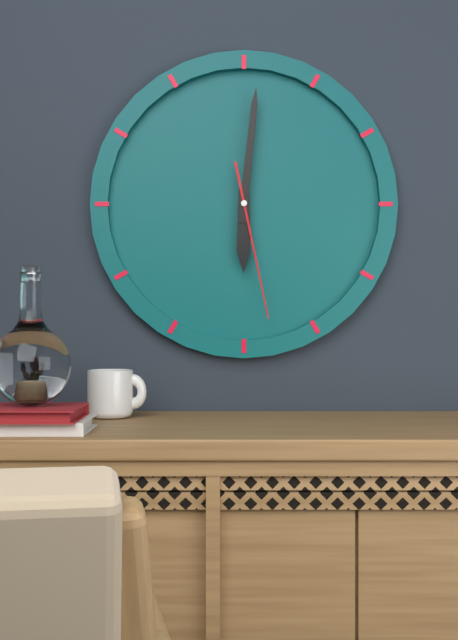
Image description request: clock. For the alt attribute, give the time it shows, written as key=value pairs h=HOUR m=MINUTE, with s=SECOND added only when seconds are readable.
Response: h=6 m=1 s=28
